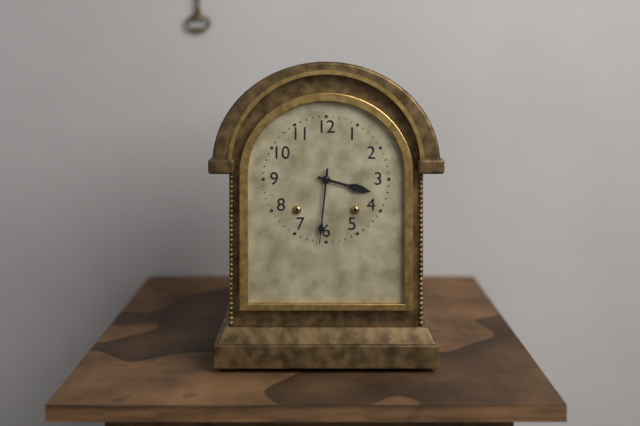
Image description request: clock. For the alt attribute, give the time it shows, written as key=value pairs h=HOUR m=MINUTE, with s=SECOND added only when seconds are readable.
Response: h=3 m=31
